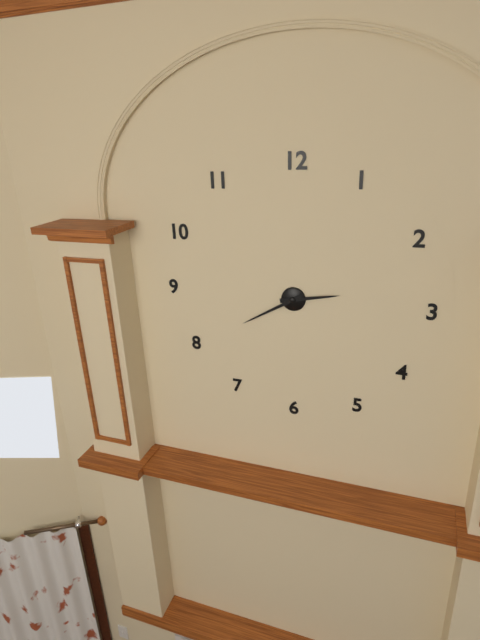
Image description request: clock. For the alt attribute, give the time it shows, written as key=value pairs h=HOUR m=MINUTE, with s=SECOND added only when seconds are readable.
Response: h=2 m=40
